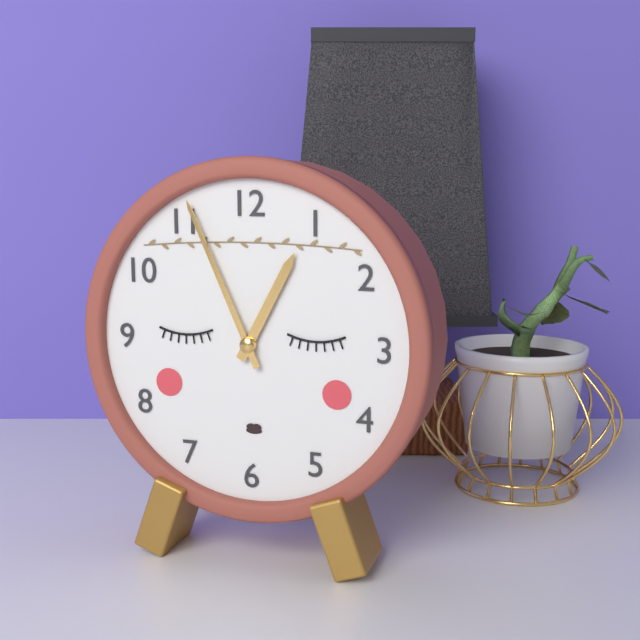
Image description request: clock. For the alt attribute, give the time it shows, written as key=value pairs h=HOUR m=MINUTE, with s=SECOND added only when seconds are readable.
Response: h=12 m=56
